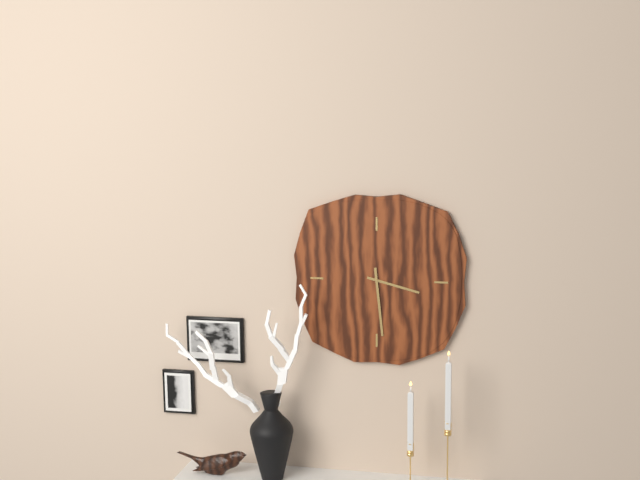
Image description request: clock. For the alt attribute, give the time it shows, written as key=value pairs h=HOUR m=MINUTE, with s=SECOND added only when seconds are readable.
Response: h=3 m=29
